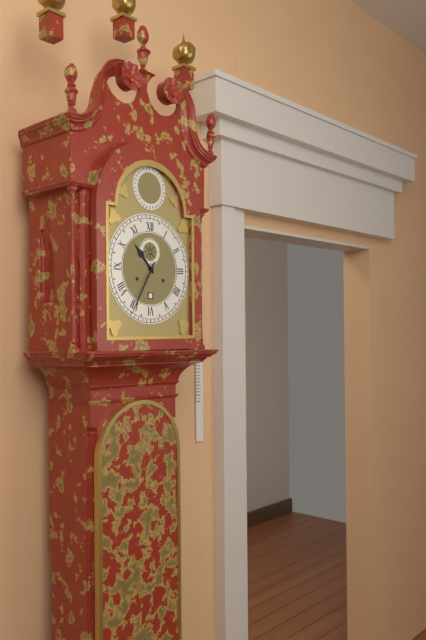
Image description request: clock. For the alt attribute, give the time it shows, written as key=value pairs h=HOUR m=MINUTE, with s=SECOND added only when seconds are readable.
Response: h=10 m=35
